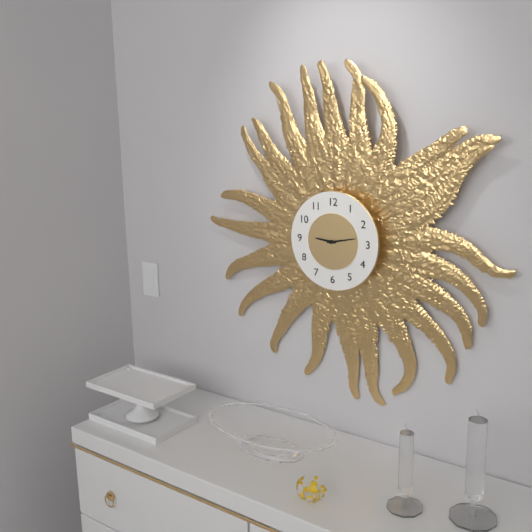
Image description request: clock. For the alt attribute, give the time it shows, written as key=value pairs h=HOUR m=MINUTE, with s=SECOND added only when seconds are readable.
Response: h=9 m=13
